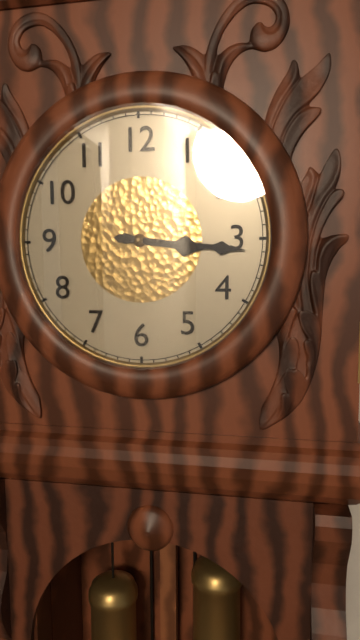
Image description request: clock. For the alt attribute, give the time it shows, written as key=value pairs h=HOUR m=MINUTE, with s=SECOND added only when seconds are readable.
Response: h=3 m=16
